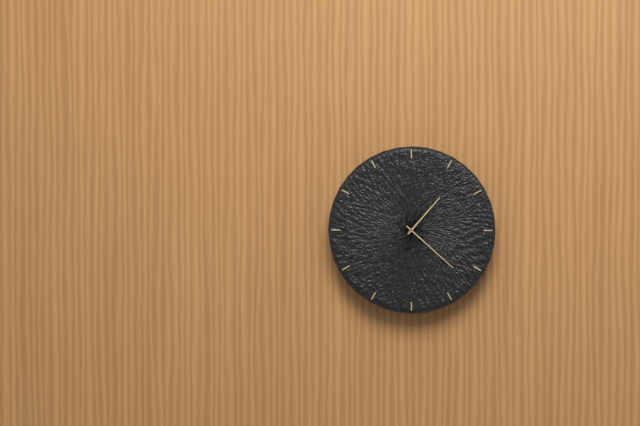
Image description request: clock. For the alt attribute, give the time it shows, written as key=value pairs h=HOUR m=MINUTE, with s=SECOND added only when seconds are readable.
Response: h=1 m=22
